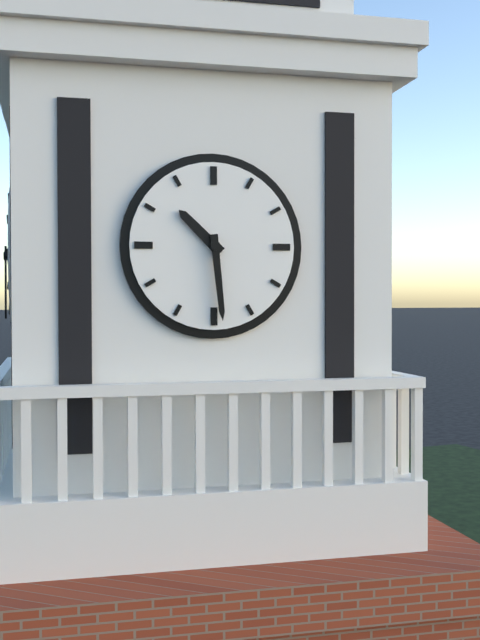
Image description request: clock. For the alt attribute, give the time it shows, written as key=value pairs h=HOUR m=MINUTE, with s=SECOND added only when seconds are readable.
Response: h=10 m=29
